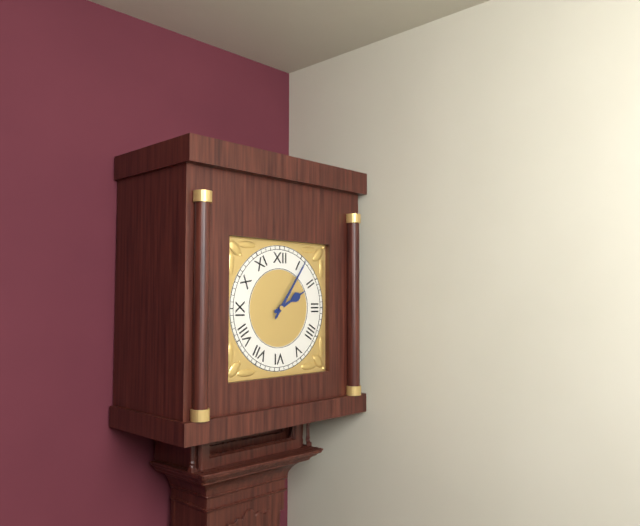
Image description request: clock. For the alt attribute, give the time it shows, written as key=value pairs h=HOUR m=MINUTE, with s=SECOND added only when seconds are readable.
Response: h=2 m=6
